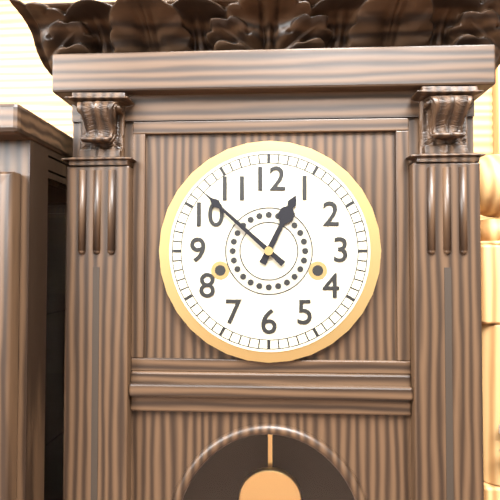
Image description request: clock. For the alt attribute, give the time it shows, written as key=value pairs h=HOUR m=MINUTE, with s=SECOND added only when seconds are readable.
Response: h=12 m=52
